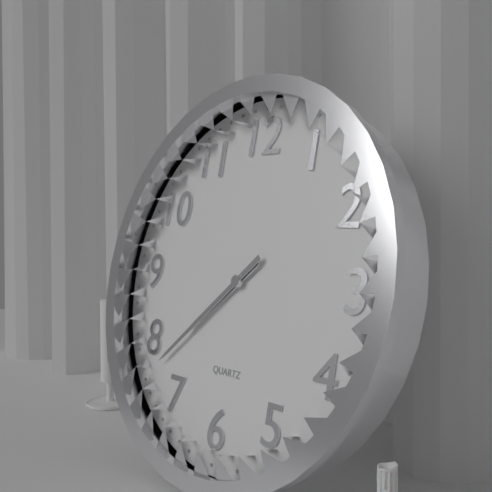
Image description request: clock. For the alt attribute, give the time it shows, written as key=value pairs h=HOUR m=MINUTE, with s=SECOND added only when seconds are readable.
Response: h=7 m=38
